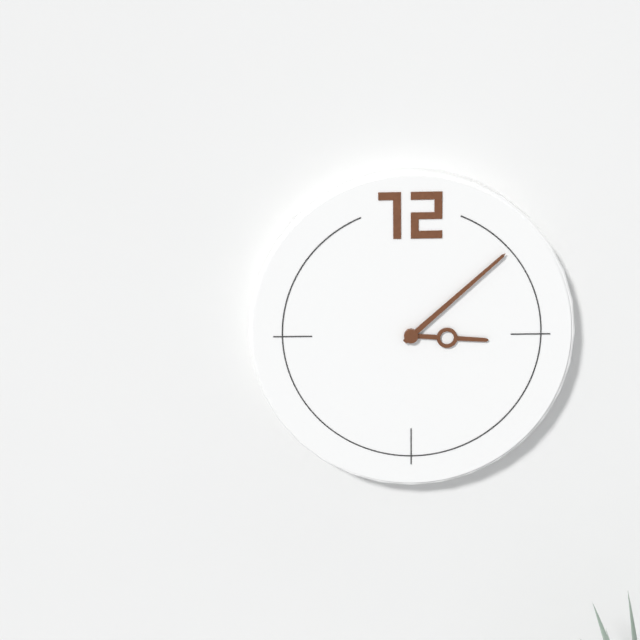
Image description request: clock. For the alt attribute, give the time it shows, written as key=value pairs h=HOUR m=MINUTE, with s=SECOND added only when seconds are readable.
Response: h=3 m=8
